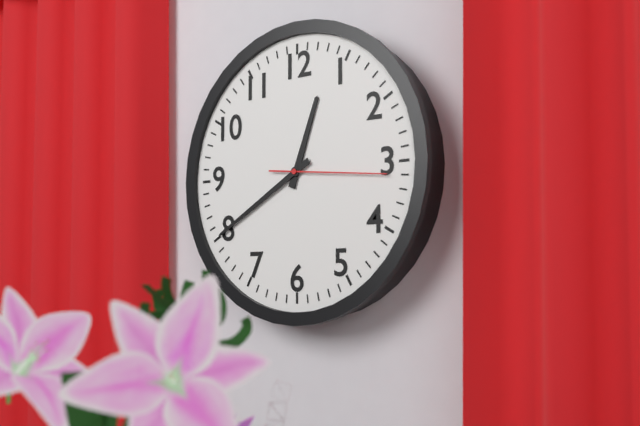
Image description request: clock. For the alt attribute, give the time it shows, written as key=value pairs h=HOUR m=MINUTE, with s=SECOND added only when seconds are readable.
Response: h=12 m=40 s=16
